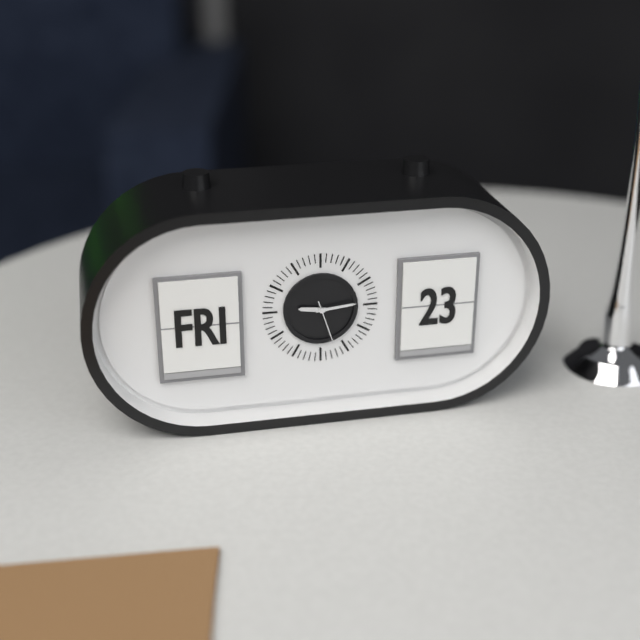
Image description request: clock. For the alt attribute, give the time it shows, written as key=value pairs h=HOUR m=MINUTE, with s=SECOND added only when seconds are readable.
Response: h=9 m=14 s=27
